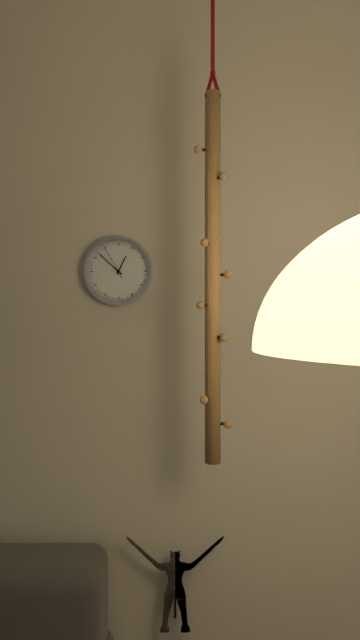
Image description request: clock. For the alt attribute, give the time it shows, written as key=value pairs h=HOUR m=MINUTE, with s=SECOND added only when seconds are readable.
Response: h=12 m=52
